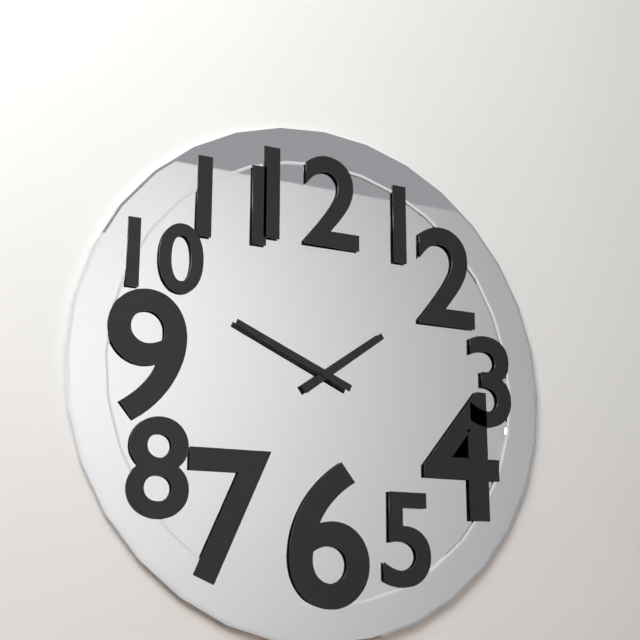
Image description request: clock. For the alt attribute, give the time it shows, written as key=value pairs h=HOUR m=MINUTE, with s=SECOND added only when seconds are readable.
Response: h=1 m=49
